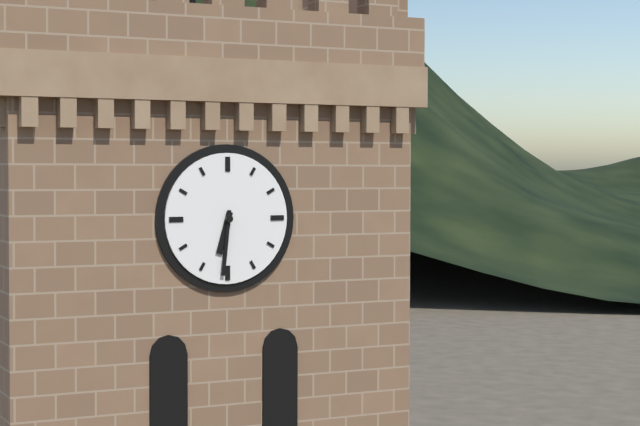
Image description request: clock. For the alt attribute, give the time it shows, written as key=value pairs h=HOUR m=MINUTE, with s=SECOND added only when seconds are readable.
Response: h=6 m=31
